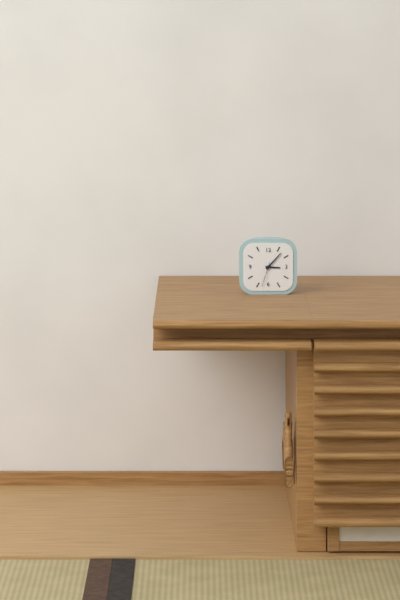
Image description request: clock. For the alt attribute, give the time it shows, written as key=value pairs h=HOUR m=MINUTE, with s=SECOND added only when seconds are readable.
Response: h=3 m=7
